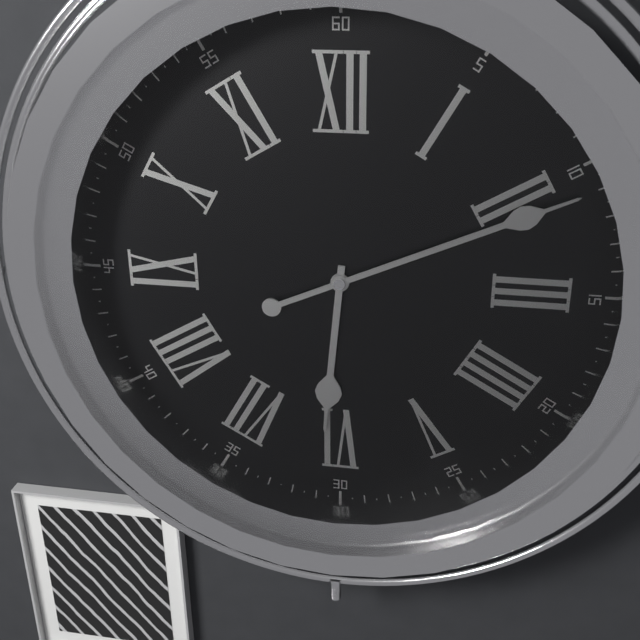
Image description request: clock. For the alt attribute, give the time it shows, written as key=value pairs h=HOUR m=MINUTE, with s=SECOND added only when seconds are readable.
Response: h=6 m=11
